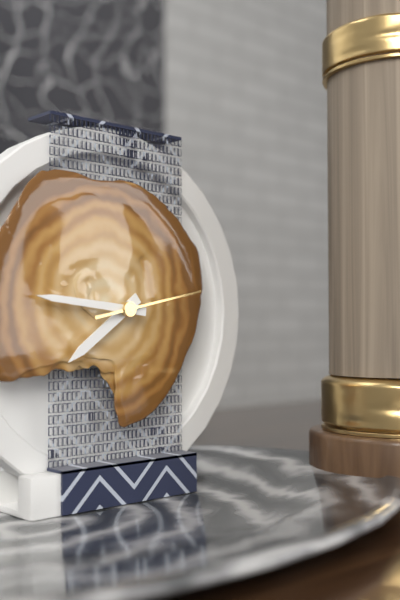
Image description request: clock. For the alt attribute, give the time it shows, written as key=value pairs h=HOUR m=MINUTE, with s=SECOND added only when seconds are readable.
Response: h=7 m=46 s=13
